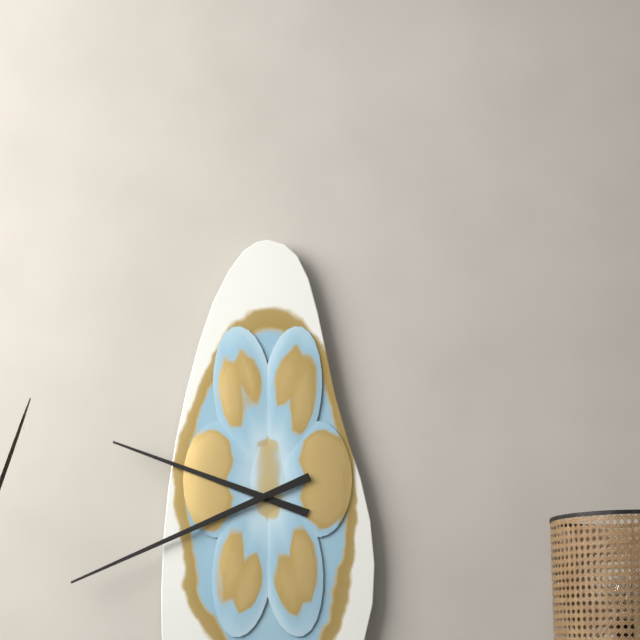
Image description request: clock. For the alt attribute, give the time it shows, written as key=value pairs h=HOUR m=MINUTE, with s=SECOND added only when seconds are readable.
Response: h=9 m=41
